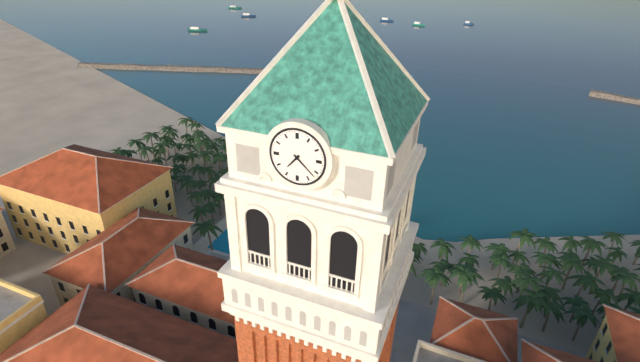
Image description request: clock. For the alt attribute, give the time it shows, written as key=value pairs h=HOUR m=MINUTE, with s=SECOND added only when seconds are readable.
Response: h=7 m=22
